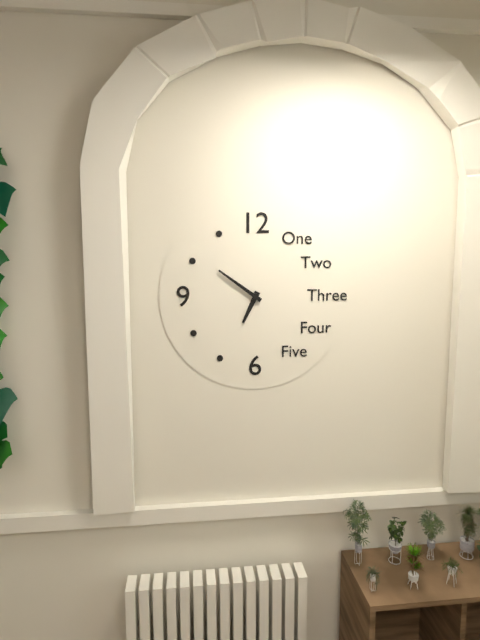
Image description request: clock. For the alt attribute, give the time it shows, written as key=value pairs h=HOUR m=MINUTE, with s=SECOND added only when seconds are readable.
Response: h=6 m=51
